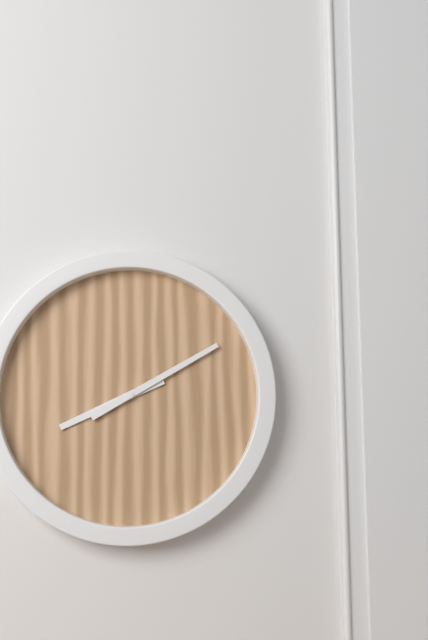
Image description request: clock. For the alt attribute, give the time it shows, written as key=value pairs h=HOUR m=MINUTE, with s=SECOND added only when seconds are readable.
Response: h=8 m=10
